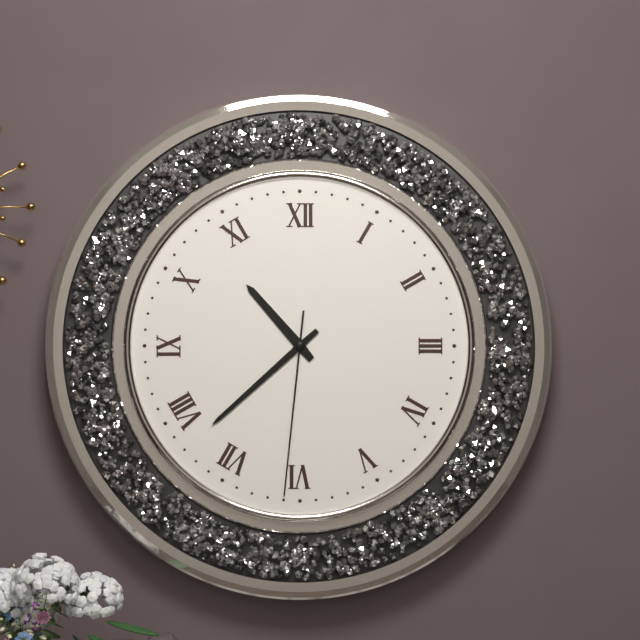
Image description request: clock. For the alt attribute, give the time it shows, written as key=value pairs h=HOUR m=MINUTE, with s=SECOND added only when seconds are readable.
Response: h=10 m=38 s=31
